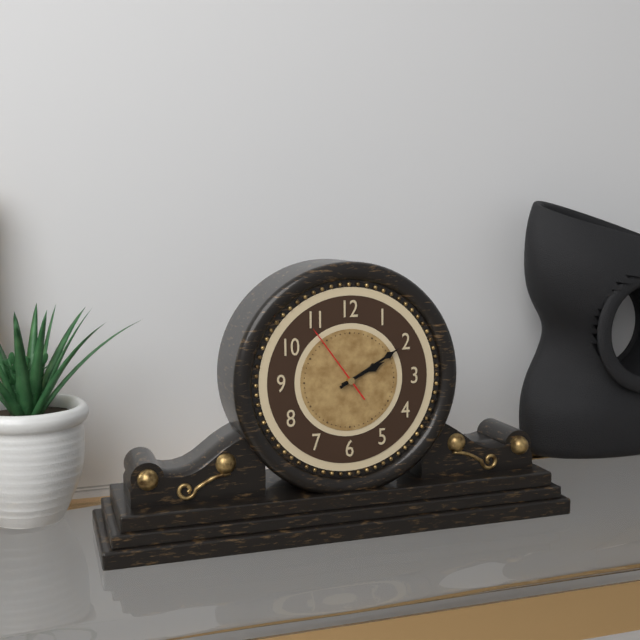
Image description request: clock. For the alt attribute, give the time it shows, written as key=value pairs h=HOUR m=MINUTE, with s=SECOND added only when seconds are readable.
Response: h=2 m=10 s=54
